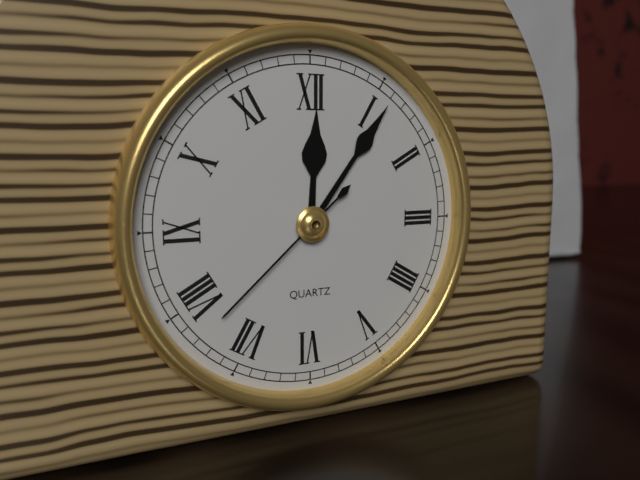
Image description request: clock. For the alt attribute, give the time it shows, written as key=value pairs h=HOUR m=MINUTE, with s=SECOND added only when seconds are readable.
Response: h=12 m=6 s=38
